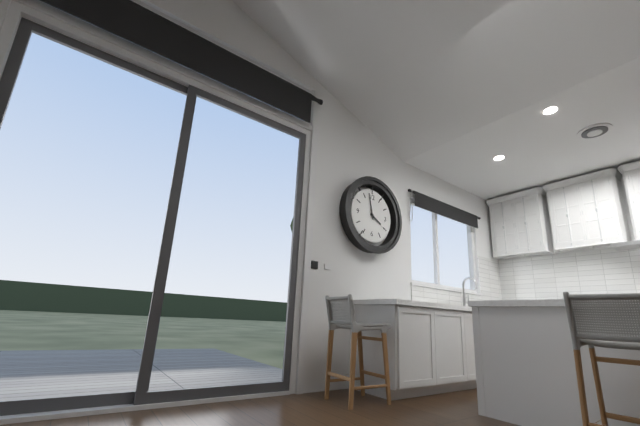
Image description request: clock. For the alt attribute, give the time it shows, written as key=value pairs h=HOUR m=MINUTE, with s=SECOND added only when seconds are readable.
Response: h=3 m=58
